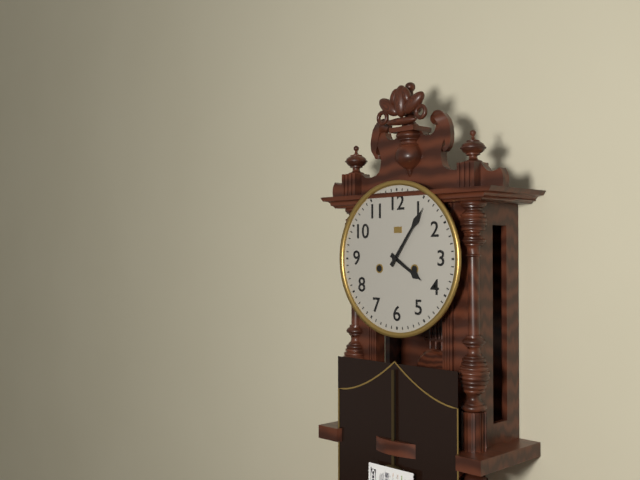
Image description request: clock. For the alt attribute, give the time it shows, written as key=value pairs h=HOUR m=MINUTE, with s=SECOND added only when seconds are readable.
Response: h=4 m=6
